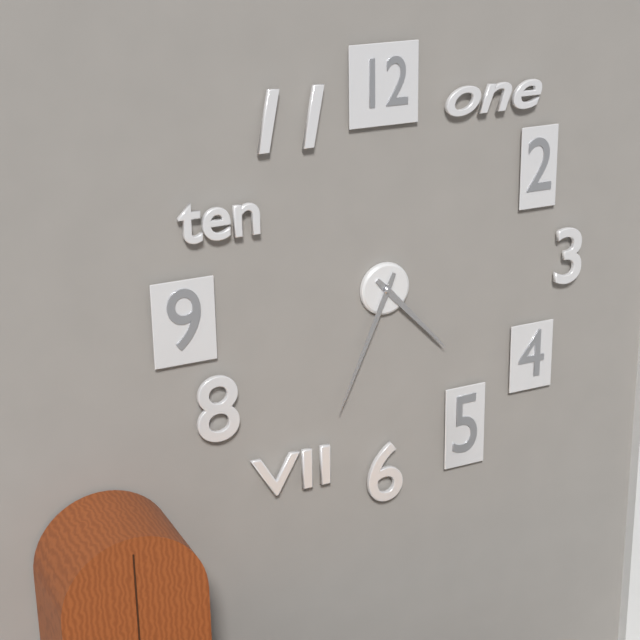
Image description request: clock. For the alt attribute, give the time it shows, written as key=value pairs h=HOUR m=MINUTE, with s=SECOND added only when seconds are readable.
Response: h=4 m=34
